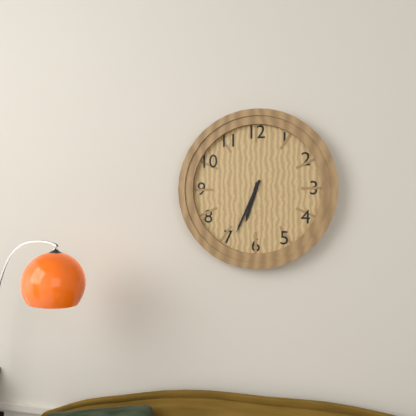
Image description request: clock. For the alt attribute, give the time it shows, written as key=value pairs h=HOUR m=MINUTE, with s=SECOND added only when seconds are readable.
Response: h=6 m=34
